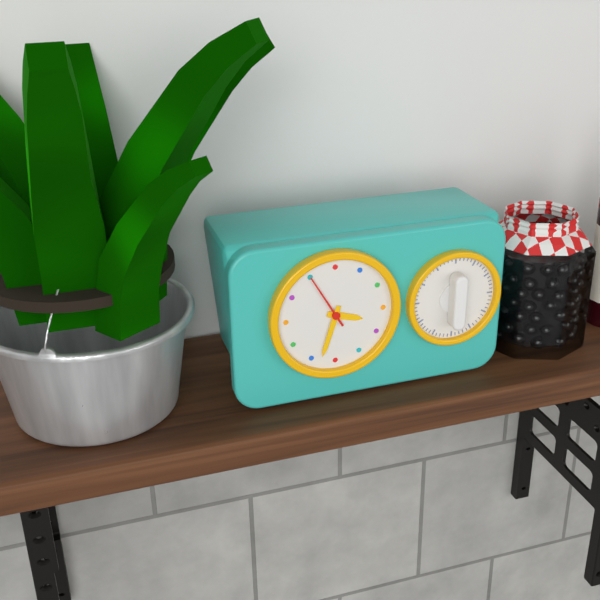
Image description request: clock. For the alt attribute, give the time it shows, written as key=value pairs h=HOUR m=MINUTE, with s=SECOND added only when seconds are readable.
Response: h=3 m=33 s=55
